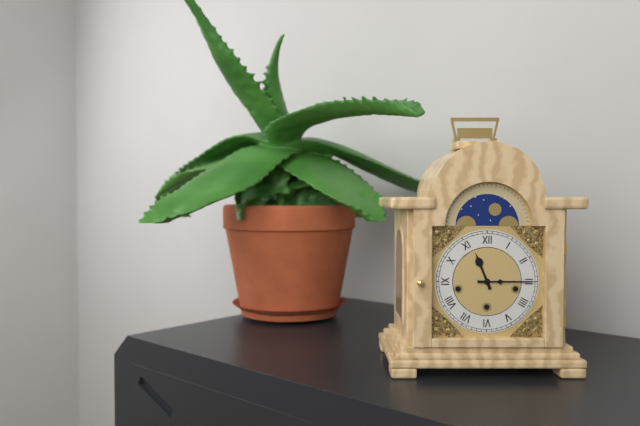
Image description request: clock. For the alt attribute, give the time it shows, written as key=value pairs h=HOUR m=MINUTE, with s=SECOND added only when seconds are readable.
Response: h=11 m=15
